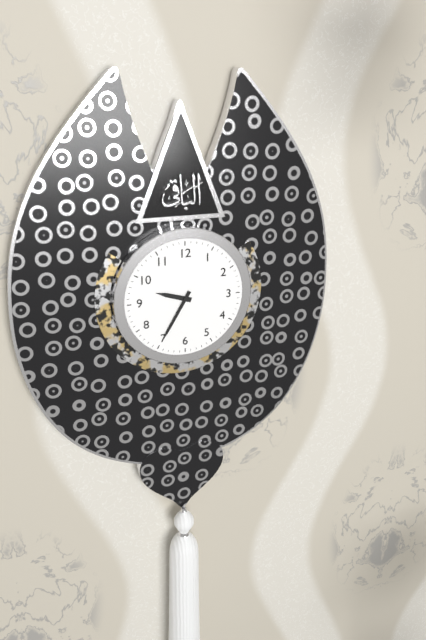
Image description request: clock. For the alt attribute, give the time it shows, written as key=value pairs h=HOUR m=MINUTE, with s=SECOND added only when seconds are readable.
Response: h=9 m=35
